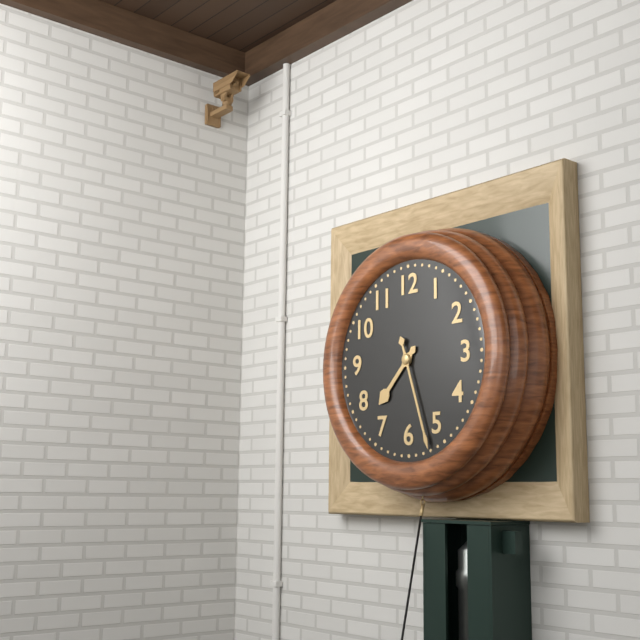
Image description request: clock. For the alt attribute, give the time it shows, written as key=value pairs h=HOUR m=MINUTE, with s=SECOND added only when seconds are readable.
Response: h=7 m=27
